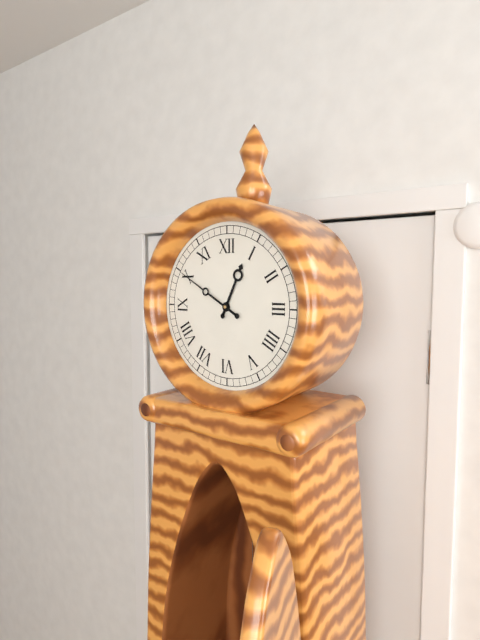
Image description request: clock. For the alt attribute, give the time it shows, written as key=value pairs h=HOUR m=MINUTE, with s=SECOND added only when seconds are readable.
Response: h=12 m=50
